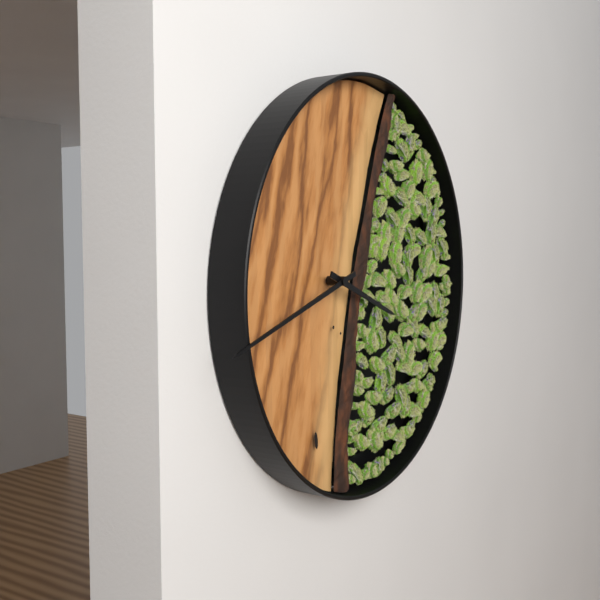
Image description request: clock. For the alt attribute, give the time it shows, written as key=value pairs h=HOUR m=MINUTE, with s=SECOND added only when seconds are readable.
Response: h=3 m=42
